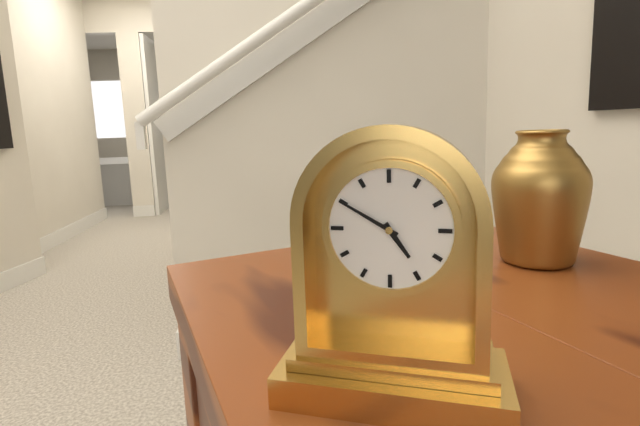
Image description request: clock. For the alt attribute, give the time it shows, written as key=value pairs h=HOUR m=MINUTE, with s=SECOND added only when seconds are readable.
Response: h=4 m=50
